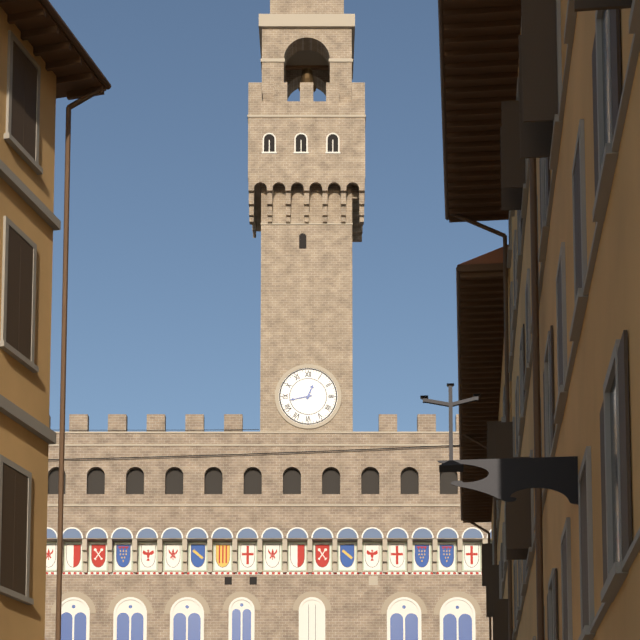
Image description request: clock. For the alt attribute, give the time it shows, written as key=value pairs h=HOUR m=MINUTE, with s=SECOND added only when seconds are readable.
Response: h=12 m=43
